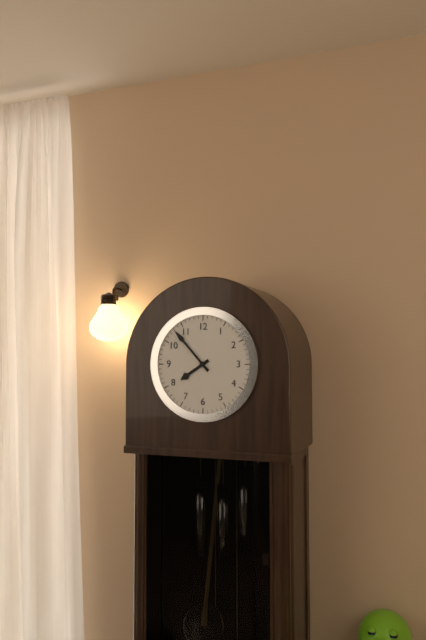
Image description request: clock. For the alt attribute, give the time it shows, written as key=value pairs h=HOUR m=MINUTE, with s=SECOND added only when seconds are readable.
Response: h=7 m=53
